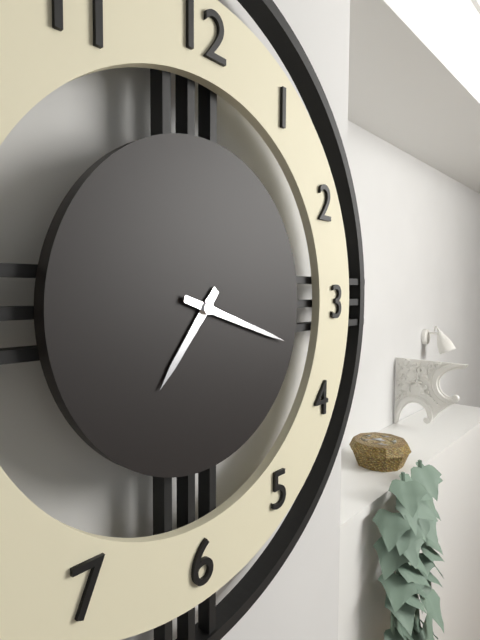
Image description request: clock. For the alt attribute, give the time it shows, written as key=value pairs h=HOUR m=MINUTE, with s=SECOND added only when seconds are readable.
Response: h=7 m=18
